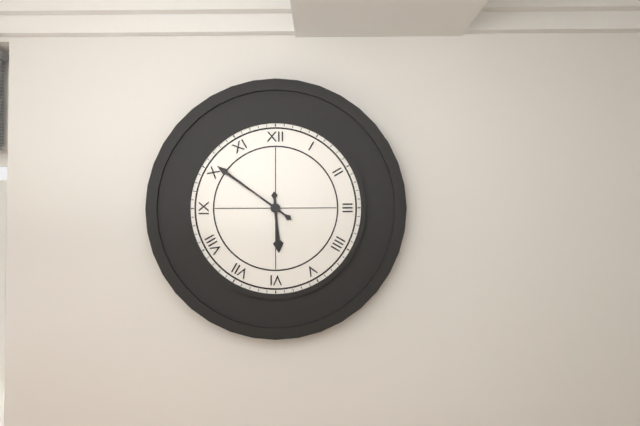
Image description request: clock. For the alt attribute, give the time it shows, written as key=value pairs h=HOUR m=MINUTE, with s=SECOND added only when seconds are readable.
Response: h=5 m=51
